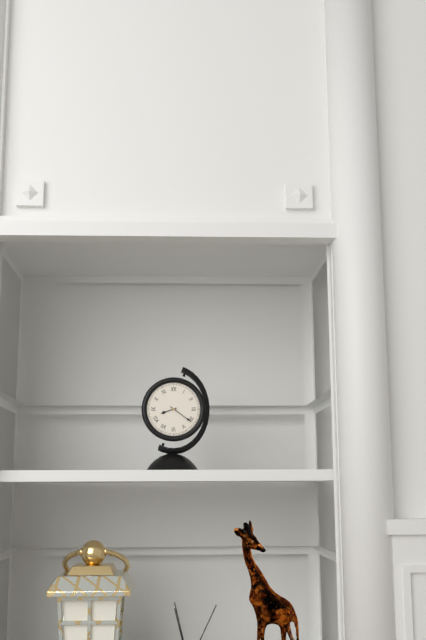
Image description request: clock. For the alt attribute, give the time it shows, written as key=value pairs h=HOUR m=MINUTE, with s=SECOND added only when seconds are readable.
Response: h=8 m=21
